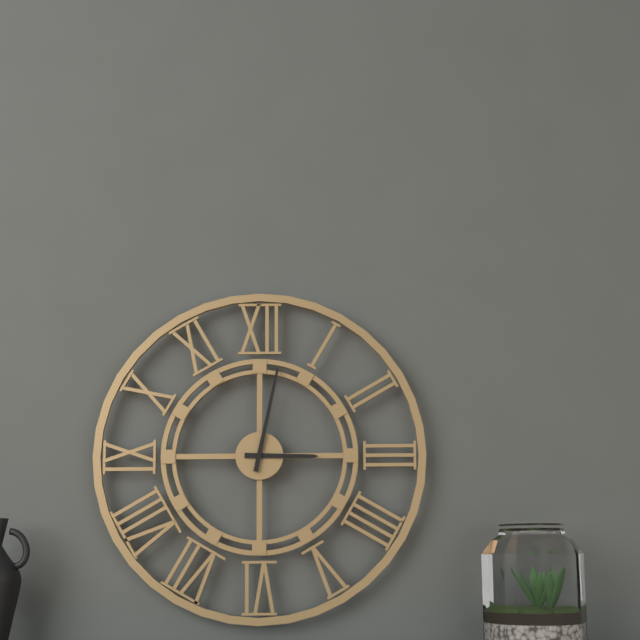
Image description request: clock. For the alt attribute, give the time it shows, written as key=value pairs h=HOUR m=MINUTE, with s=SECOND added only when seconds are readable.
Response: h=3 m=2
